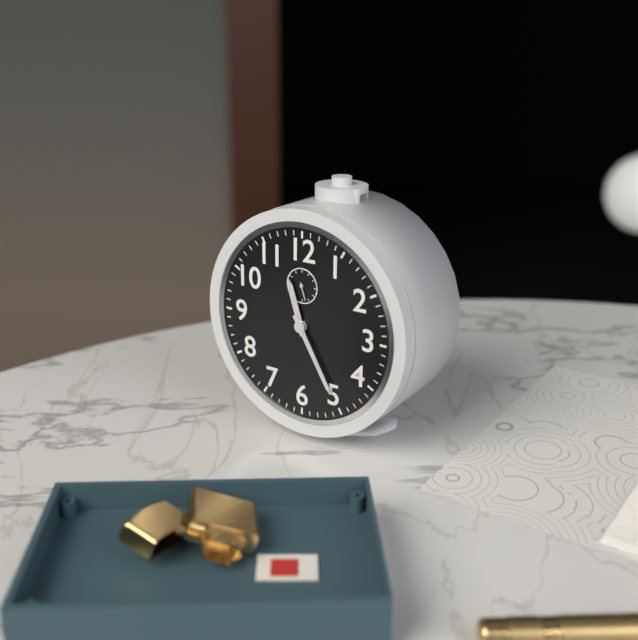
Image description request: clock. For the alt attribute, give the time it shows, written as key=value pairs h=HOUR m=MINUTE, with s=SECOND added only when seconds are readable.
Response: h=11 m=25
